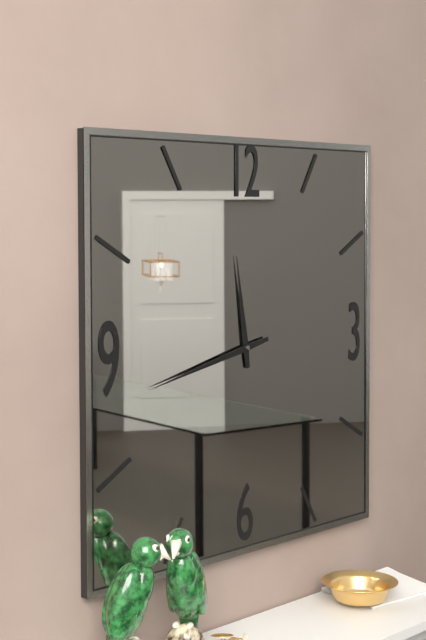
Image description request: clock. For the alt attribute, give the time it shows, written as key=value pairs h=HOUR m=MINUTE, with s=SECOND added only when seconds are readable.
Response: h=11 m=43
